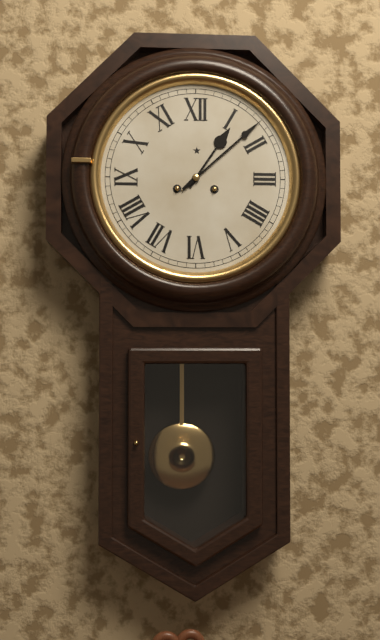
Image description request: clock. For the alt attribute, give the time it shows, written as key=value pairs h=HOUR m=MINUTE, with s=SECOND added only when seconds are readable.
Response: h=1 m=8
